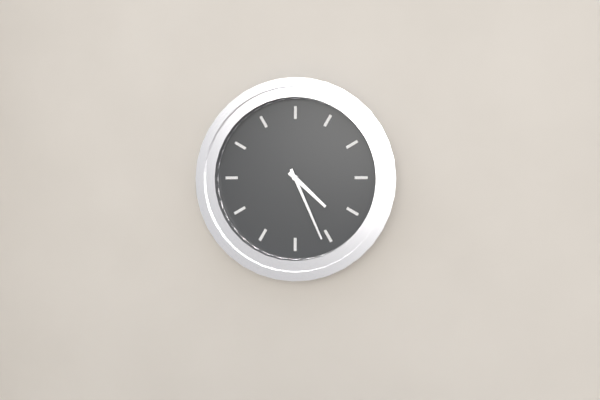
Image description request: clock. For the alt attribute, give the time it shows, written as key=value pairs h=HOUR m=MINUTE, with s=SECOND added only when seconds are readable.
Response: h=4 m=26
